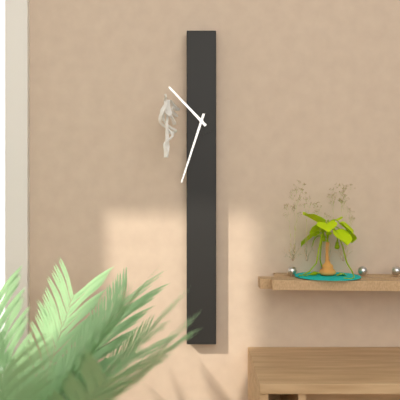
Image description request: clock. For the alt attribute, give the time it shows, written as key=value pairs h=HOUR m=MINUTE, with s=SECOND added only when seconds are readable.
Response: h=10 m=33
